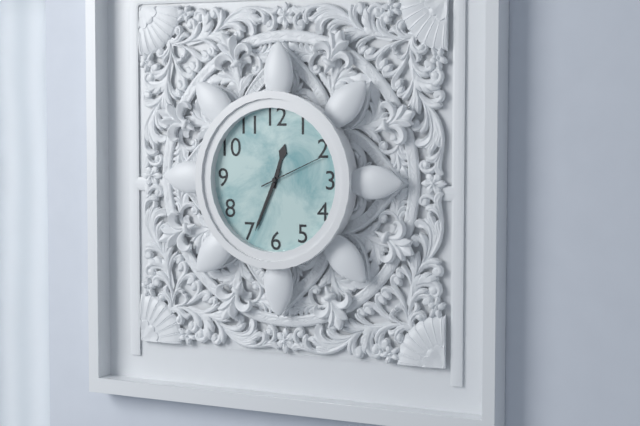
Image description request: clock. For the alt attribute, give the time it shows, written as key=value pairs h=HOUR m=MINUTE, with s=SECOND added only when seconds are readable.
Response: h=12 m=34 s=11
